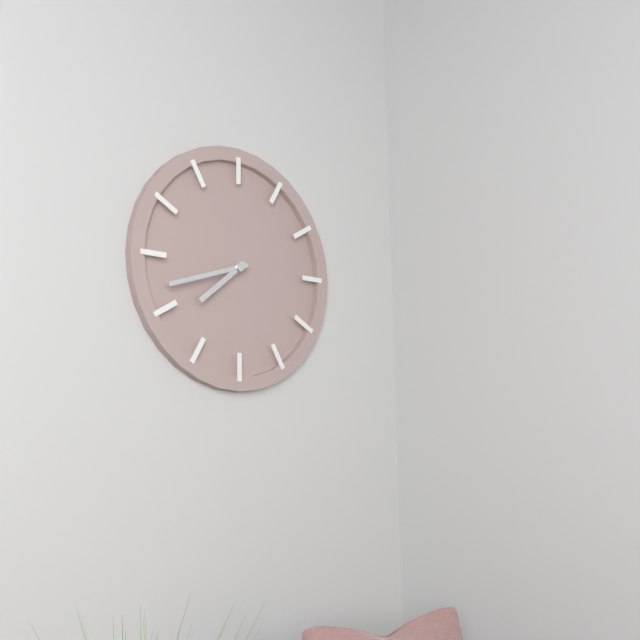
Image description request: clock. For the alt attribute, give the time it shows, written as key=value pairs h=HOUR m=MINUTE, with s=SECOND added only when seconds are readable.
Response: h=7 m=42
